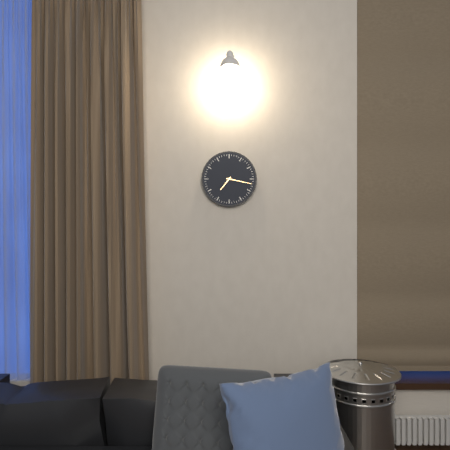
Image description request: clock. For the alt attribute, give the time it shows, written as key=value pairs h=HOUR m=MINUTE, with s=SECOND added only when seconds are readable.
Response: h=7 m=17
